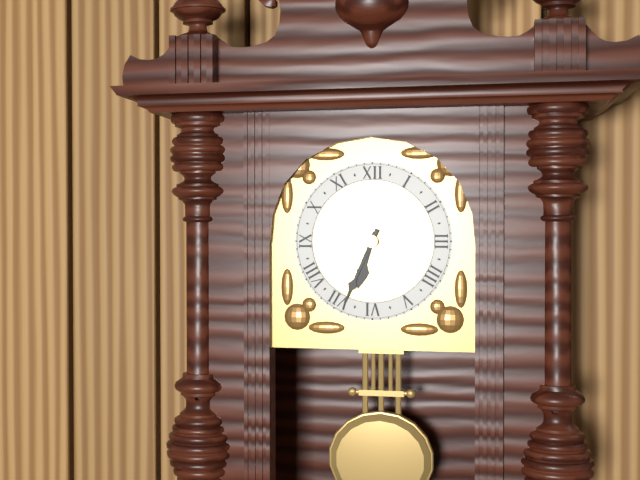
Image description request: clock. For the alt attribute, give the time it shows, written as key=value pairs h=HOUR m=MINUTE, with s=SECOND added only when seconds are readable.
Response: h=6 m=34
